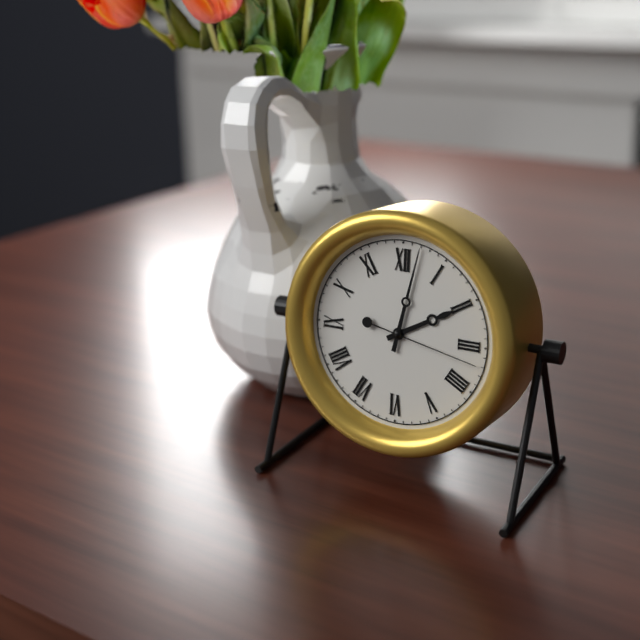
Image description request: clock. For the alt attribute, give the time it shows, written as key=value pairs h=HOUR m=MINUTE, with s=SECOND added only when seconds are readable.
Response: h=2 m=2 s=17
